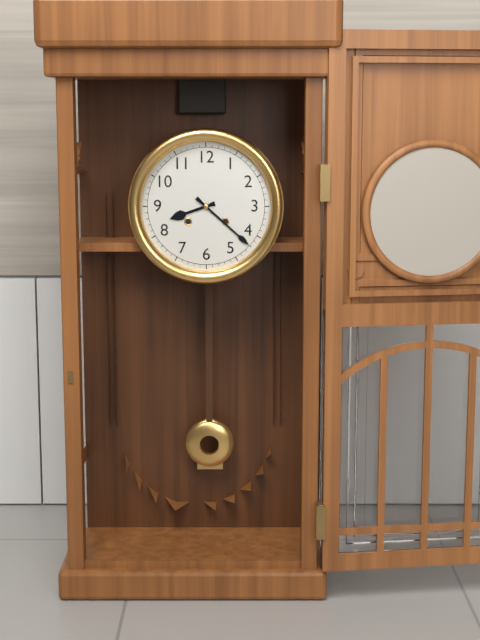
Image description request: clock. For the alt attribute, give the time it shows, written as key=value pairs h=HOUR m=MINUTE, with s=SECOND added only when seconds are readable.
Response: h=8 m=22
